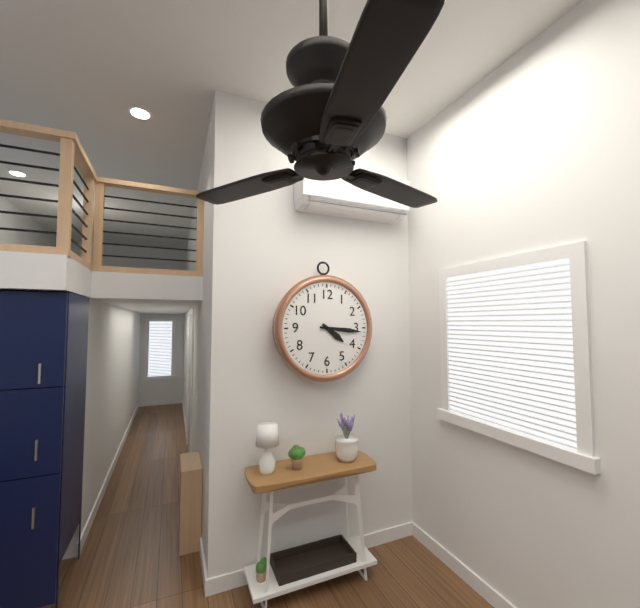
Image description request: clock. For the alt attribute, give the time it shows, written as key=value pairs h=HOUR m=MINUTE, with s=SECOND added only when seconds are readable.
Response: h=4 m=16
